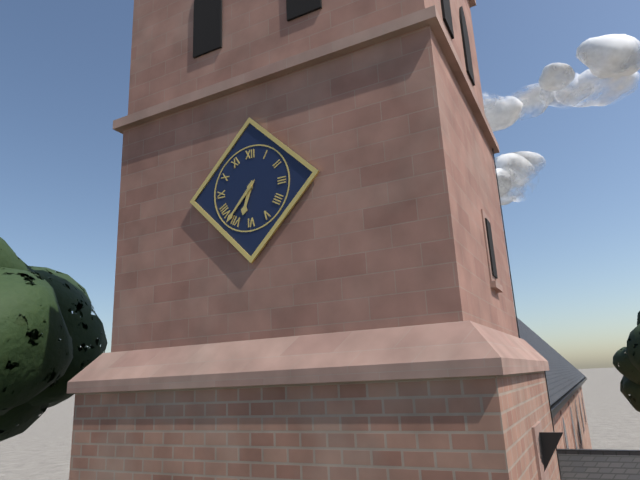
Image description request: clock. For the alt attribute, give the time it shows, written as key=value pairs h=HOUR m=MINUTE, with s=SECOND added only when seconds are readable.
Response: h=6 m=37
